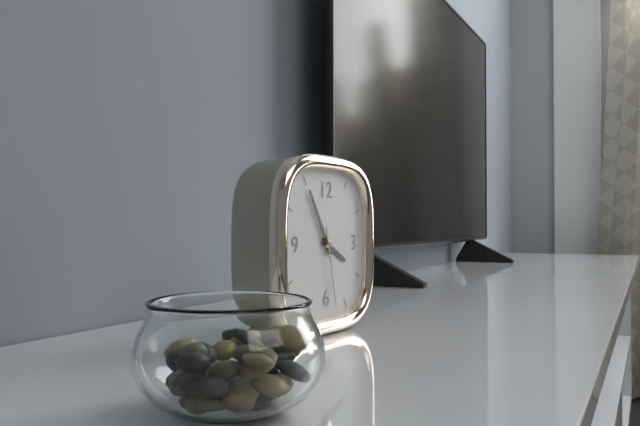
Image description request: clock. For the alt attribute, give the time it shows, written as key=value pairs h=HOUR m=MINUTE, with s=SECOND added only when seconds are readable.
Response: h=3 m=55 s=28
